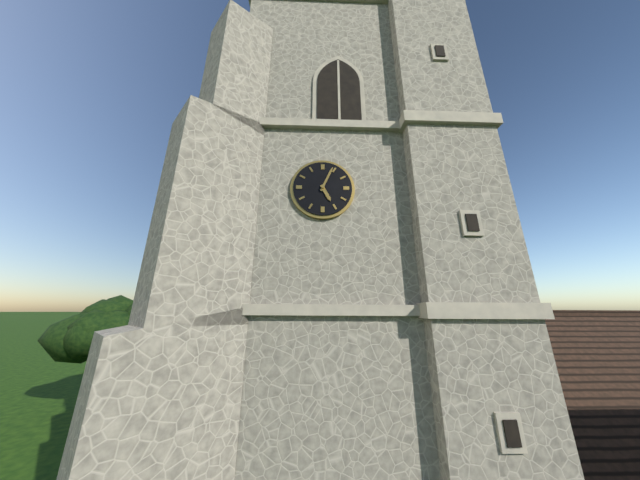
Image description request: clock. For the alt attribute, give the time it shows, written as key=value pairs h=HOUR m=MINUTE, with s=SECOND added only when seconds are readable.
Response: h=5 m=4
